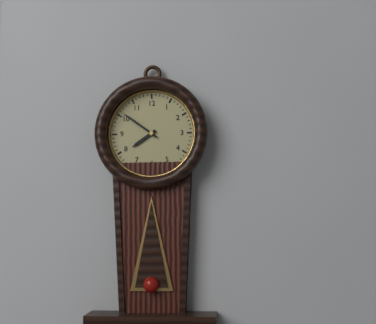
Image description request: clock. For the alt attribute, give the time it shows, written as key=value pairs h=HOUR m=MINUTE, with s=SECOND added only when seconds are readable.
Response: h=7 m=51
